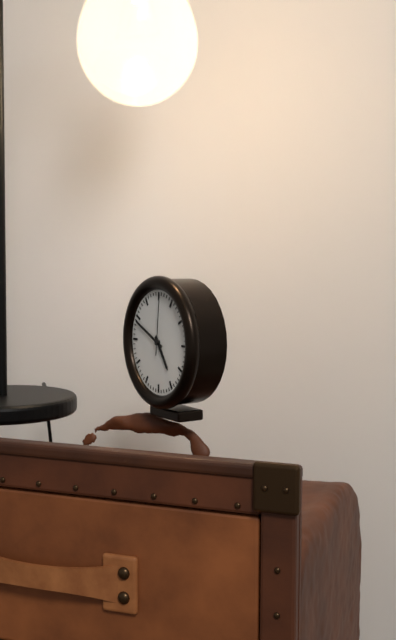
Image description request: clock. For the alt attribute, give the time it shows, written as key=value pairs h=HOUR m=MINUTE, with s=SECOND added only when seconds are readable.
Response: h=4 m=49 s=1
